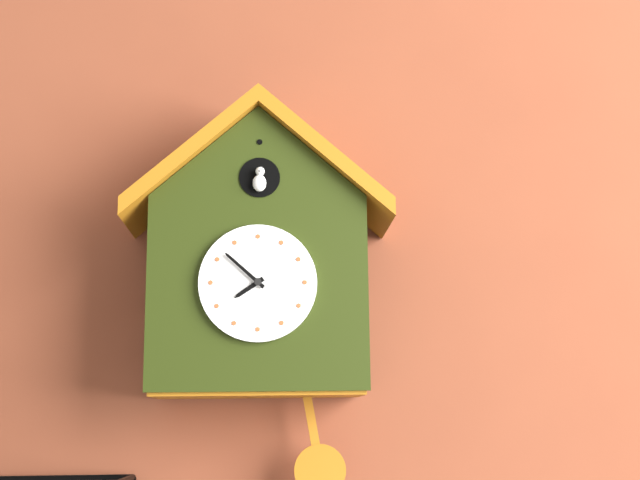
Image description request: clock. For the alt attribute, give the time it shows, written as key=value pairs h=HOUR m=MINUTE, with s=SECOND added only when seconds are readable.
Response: h=7 m=52
